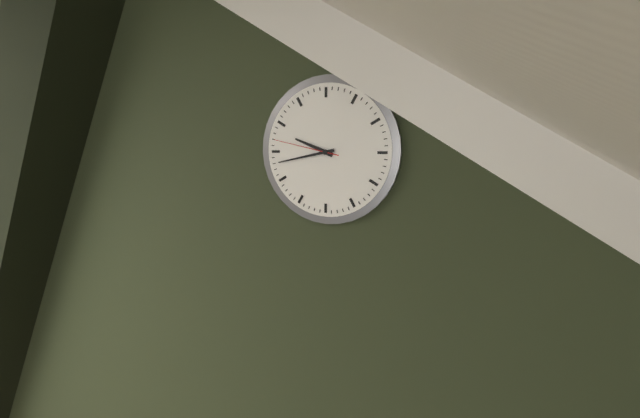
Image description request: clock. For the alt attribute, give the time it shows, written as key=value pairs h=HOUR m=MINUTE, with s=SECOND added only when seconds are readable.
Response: h=9 m=43 s=47
